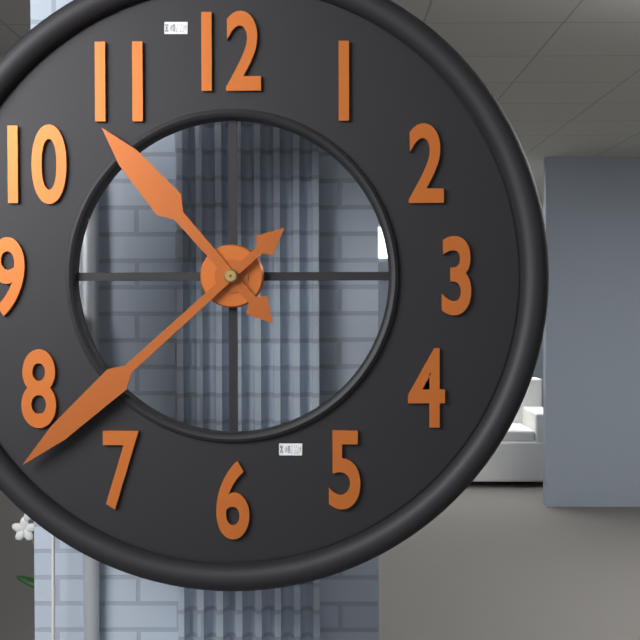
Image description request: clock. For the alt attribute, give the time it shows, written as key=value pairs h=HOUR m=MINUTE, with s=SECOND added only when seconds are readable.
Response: h=10 m=38
